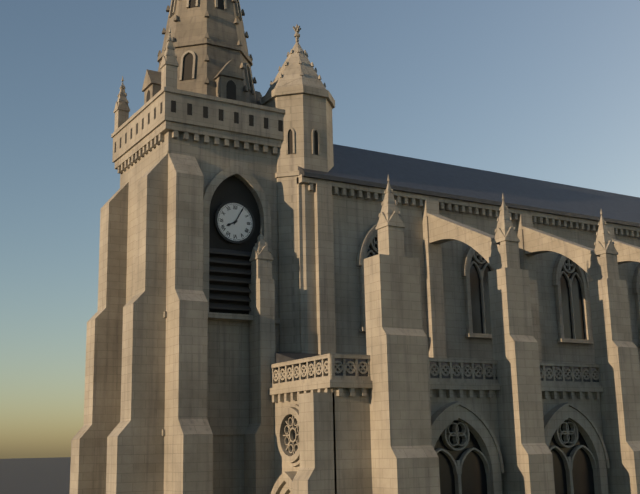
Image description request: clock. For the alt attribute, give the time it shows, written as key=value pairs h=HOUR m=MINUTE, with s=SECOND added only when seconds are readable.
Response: h=8 m=5
